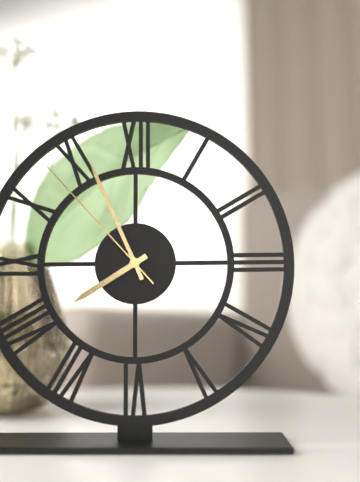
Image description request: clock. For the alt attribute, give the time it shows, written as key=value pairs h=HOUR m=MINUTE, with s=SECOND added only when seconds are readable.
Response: h=7 m=56 s=53
